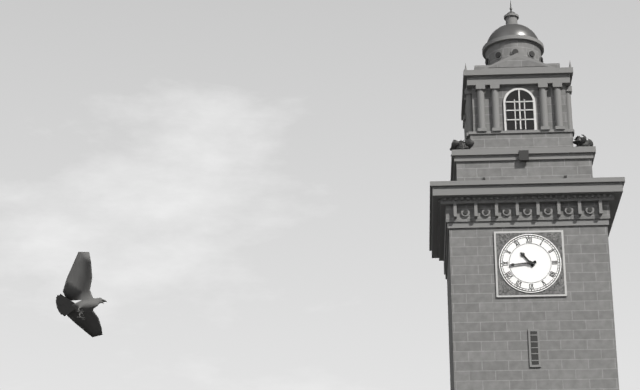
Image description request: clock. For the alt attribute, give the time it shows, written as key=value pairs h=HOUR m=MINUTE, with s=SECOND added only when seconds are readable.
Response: h=10 m=44
